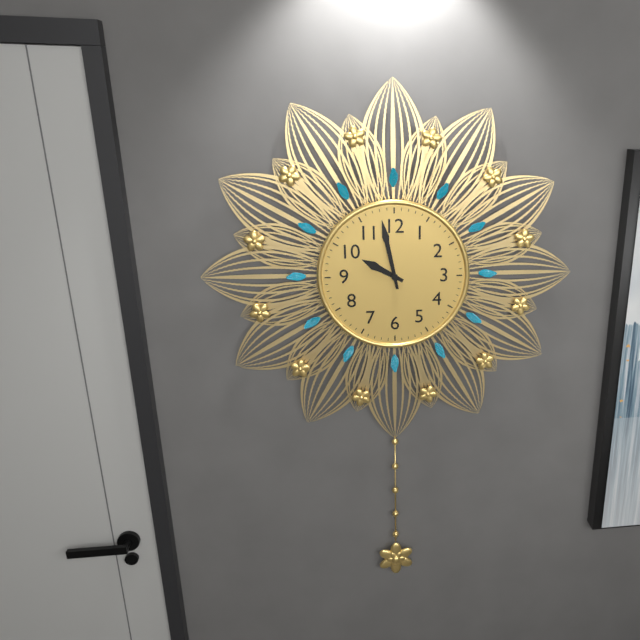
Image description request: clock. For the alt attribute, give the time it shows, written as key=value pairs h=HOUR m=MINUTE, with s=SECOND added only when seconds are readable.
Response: h=9 m=58
